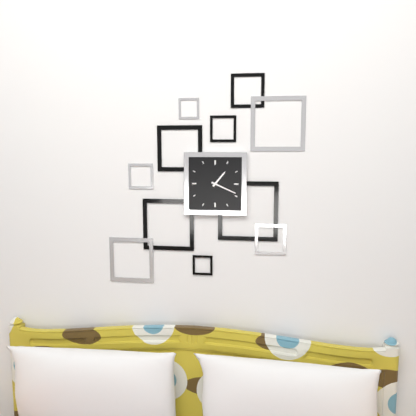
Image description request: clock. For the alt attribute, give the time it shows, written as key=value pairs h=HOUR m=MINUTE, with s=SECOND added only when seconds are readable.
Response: h=1 m=19
